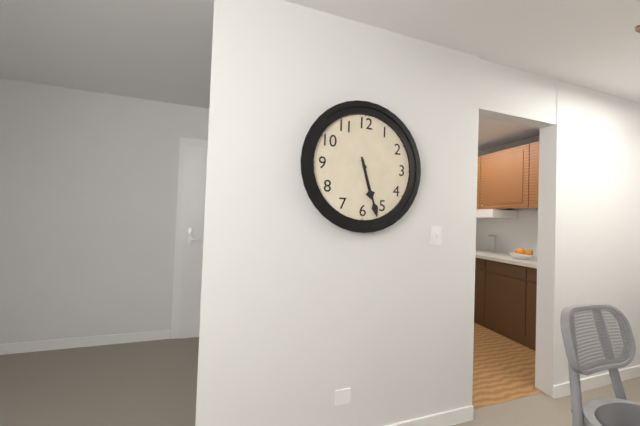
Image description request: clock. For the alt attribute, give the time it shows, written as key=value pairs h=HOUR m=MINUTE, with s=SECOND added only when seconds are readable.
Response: h=5 m=27
